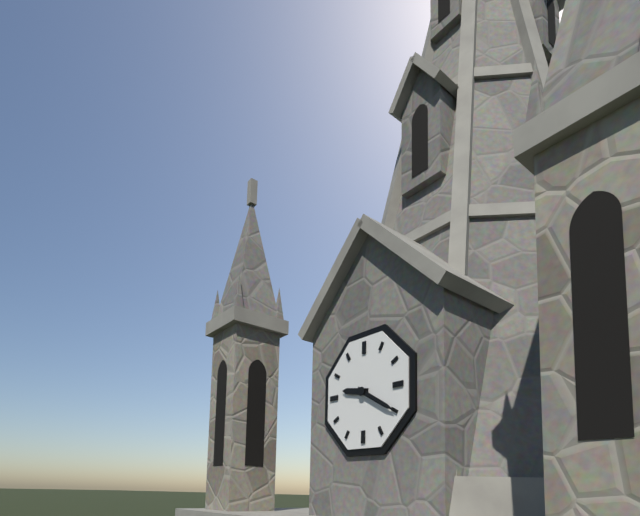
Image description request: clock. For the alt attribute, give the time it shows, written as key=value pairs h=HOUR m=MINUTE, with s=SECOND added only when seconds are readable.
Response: h=9 m=20
